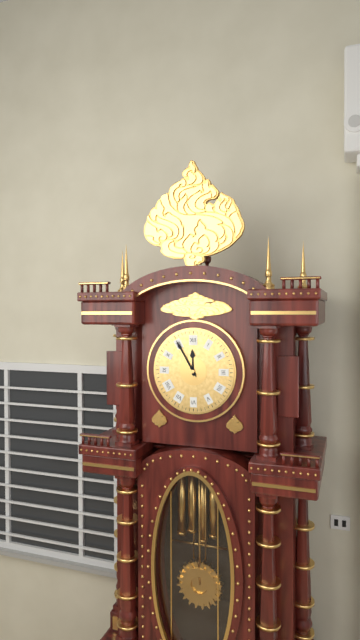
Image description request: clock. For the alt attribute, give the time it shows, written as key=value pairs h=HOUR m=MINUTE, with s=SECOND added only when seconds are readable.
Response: h=11 m=55
